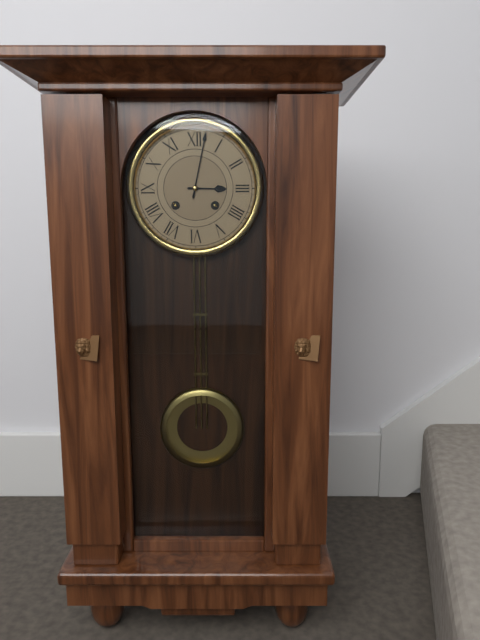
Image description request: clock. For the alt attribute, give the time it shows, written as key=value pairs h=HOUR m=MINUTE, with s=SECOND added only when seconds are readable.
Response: h=3 m=2
